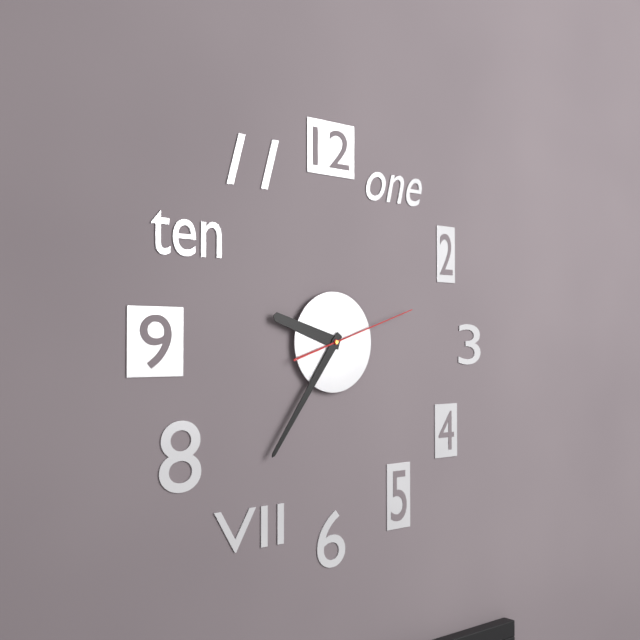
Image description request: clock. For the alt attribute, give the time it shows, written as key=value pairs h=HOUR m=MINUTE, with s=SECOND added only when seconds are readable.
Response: h=9 m=36 s=12
